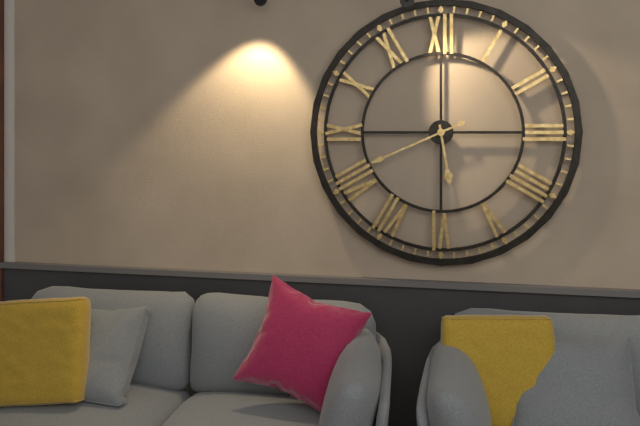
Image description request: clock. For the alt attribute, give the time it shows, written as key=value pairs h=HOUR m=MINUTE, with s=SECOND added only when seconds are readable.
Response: h=5 m=41
